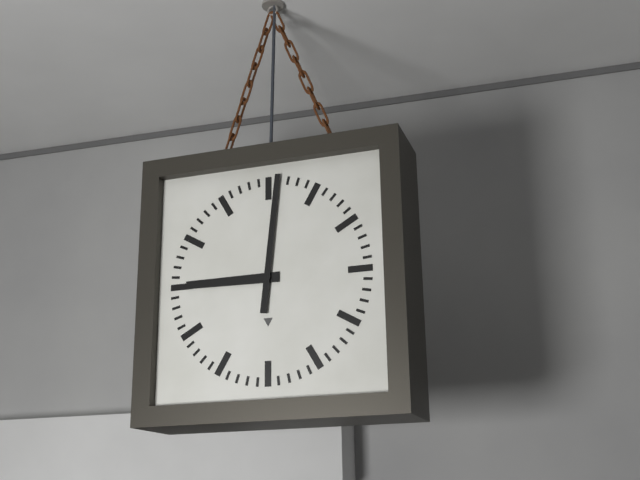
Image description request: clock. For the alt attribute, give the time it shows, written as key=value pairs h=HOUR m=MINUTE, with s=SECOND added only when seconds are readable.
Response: h=9 m=1
